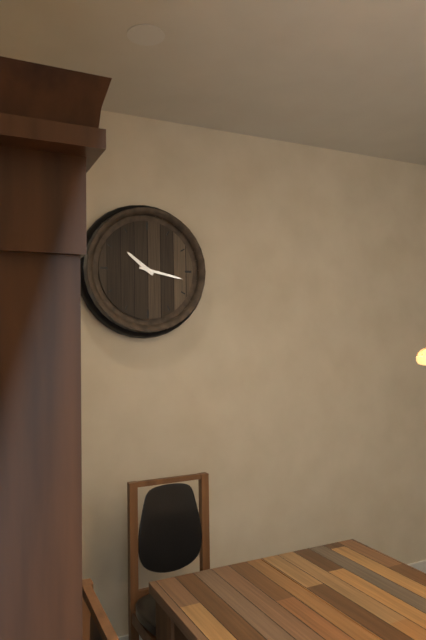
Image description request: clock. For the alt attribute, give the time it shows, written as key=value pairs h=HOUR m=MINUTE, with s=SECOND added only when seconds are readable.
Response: h=10 m=17
